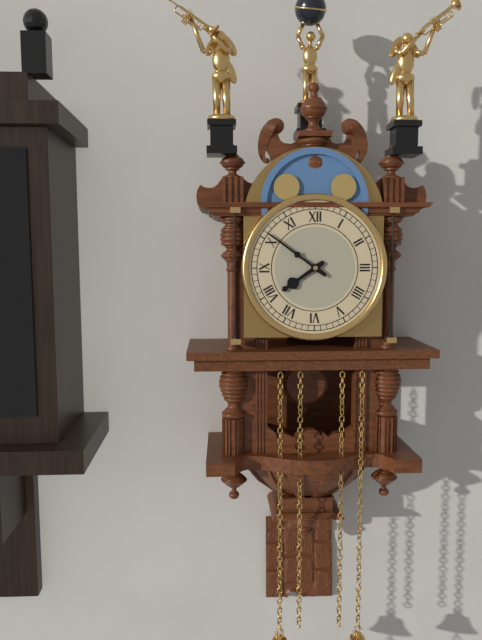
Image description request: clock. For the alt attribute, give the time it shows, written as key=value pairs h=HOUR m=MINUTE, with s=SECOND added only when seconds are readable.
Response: h=7 m=51
